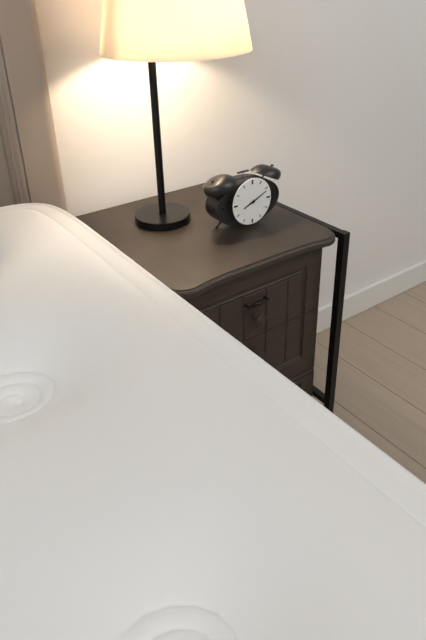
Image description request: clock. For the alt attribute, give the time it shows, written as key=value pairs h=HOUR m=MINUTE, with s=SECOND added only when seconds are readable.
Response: h=8 m=11
